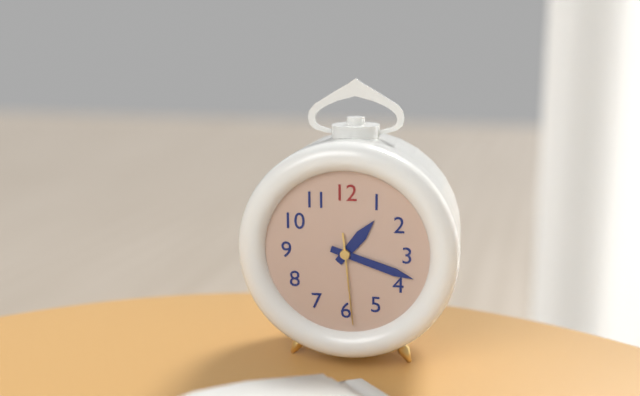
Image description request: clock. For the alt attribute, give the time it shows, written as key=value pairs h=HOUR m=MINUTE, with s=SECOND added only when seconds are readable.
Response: h=1 m=18 s=29
